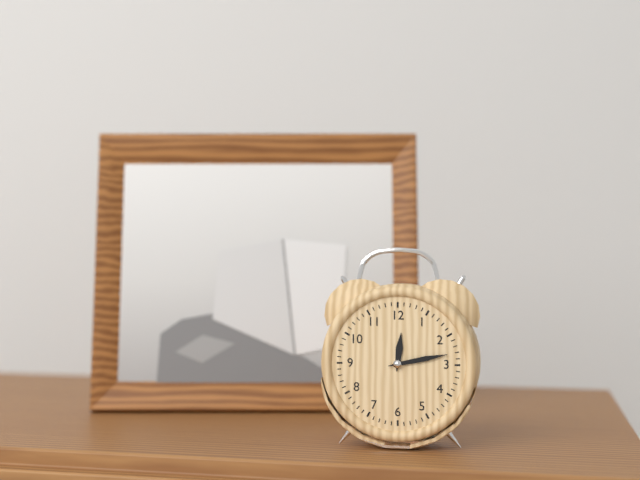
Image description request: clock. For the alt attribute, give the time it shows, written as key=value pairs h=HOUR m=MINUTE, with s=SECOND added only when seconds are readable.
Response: h=12 m=13
